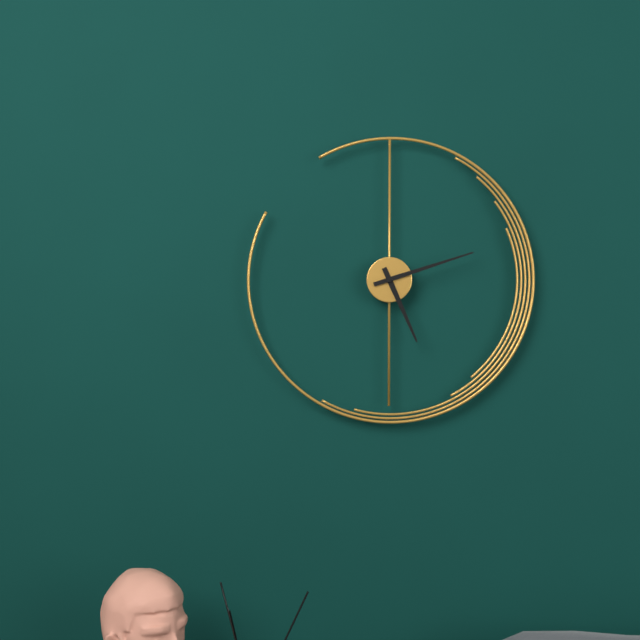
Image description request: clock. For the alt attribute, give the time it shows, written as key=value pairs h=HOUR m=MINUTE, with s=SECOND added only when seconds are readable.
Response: h=5 m=12
